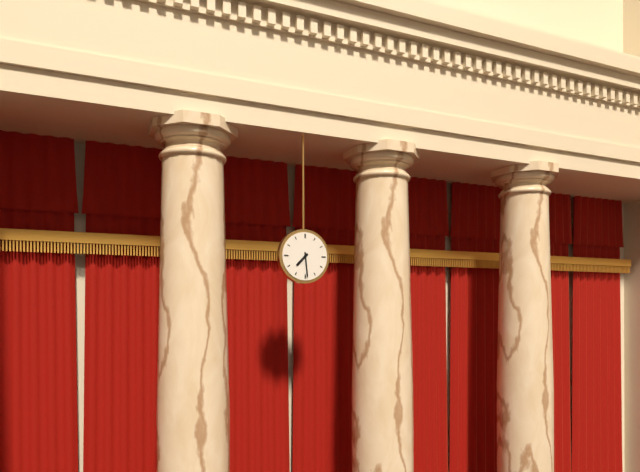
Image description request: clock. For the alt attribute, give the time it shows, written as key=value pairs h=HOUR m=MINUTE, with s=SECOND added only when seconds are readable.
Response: h=7 m=29
